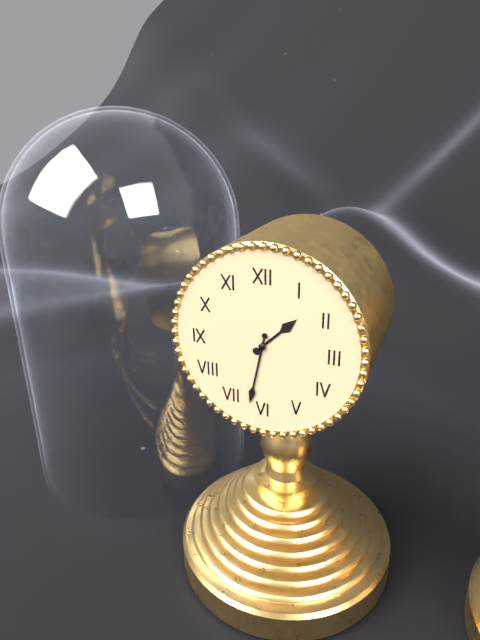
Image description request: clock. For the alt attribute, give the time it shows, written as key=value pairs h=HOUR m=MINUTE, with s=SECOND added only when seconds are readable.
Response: h=1 m=32
